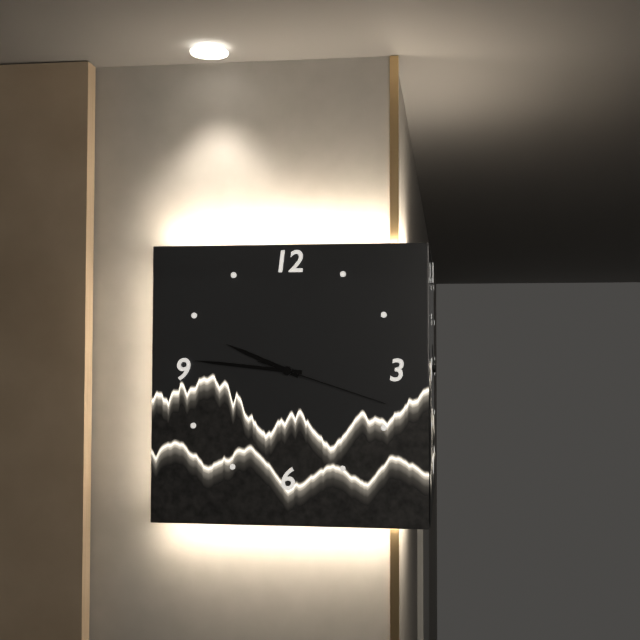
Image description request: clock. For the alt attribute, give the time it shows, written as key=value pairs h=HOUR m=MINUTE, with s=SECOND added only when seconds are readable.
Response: h=9 m=46 s=18
